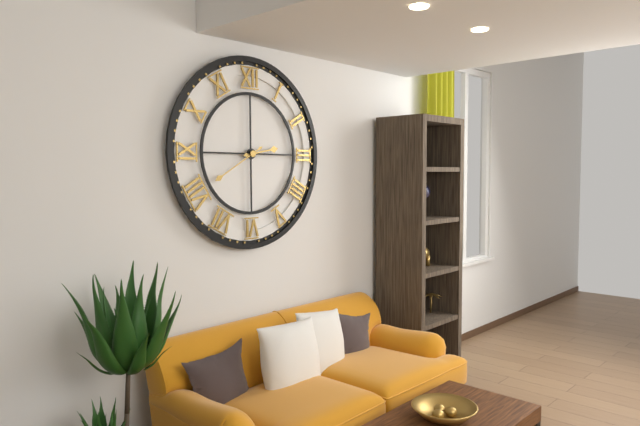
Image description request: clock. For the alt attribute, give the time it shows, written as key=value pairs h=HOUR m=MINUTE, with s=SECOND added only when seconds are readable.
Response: h=2 m=40
